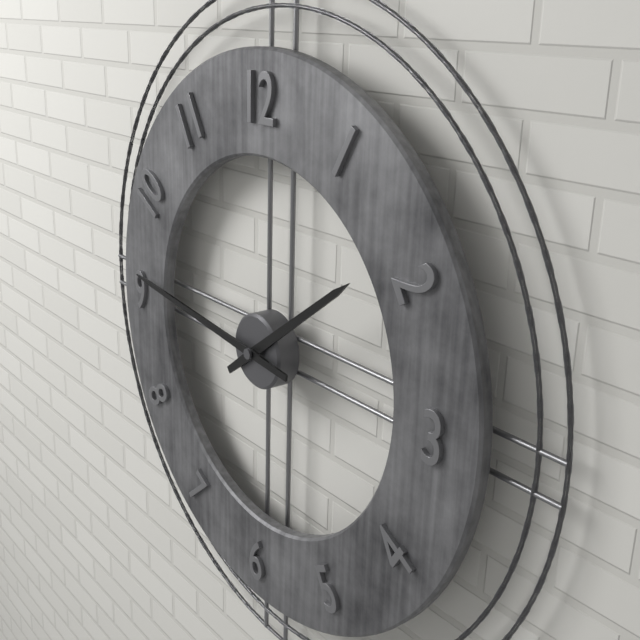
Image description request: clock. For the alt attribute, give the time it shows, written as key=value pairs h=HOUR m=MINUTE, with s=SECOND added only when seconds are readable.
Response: h=1 m=46
